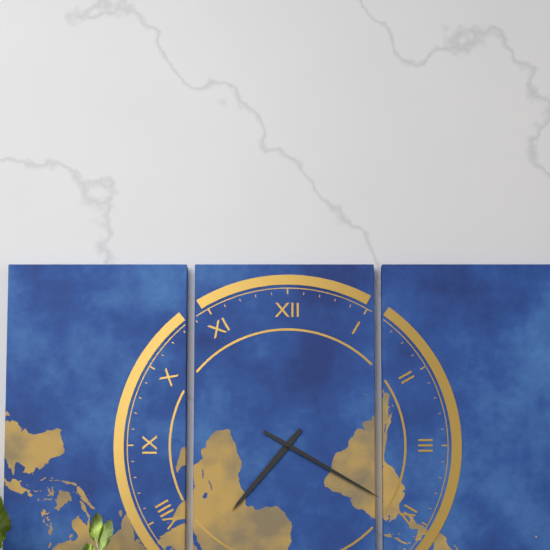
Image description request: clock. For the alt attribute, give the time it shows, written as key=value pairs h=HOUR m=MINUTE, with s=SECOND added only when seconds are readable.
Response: h=7 m=20
